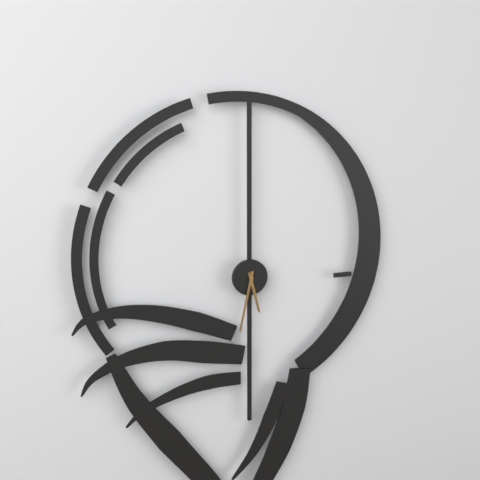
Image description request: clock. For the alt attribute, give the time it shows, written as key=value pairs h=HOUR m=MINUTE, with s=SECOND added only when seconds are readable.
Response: h=5 m=32
